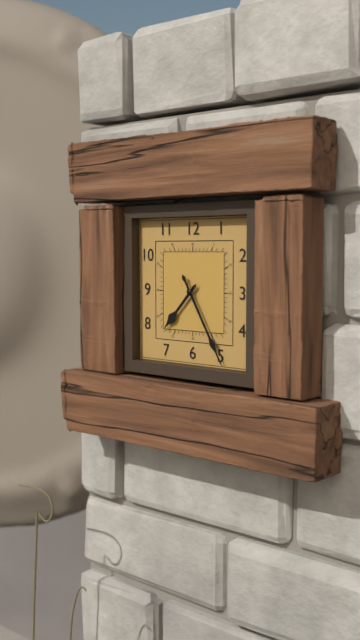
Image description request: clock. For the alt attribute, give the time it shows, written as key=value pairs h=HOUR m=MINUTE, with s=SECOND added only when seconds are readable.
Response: h=7 m=25
